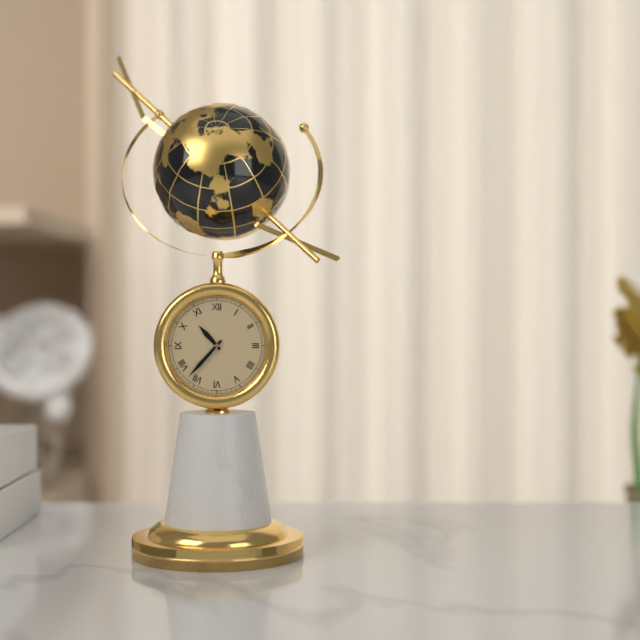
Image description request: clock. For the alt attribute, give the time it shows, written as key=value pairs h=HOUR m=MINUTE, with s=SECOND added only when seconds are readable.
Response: h=10 m=37
